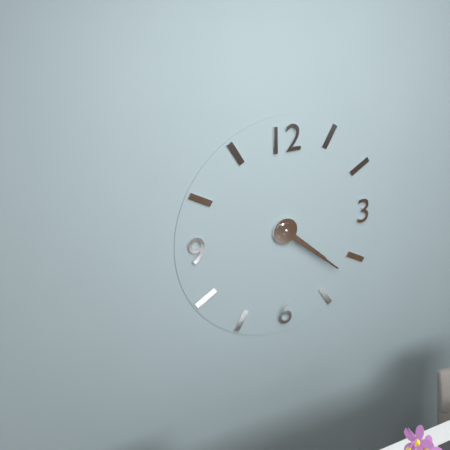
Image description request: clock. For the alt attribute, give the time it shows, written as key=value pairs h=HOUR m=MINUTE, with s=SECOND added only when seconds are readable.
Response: h=4 m=22
